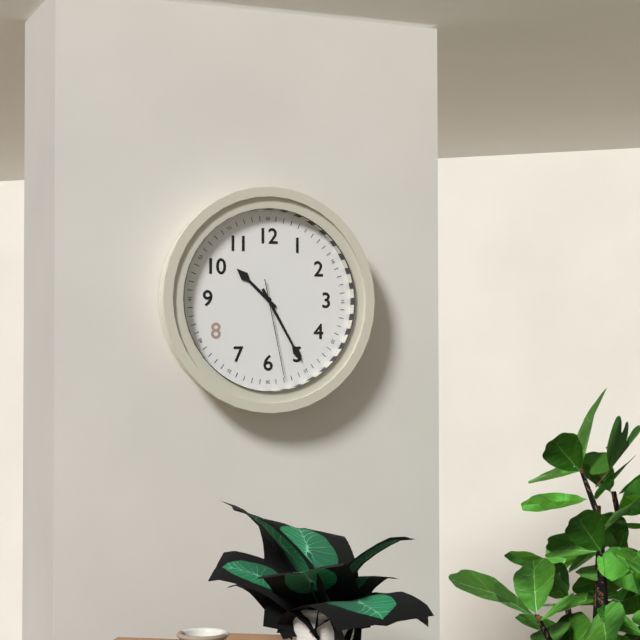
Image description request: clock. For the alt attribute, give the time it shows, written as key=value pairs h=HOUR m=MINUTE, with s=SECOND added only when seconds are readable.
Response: h=10 m=25 s=28
